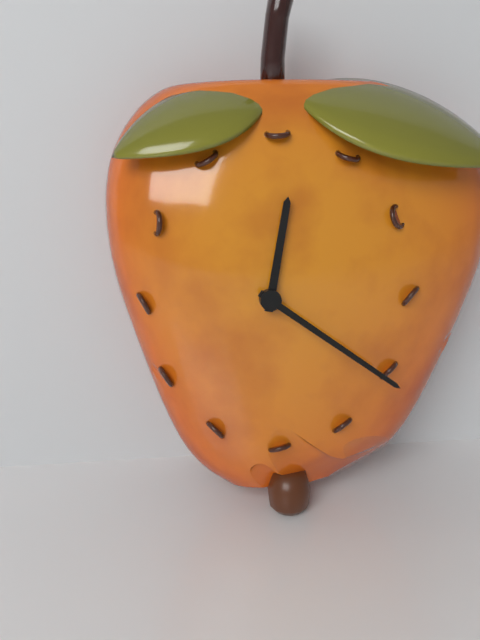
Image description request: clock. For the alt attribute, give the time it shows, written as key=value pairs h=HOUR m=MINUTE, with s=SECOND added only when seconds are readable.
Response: h=12 m=21
